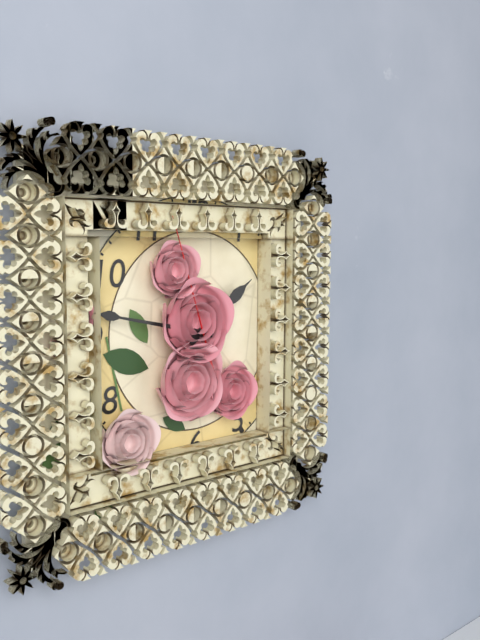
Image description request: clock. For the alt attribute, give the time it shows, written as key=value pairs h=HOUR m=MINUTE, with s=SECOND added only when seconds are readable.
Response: h=1 m=47 s=57
